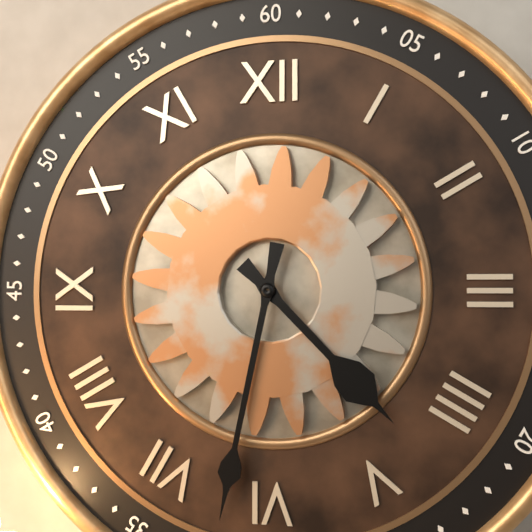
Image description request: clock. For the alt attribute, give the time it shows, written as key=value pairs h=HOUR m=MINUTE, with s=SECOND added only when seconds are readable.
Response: h=4 m=32
